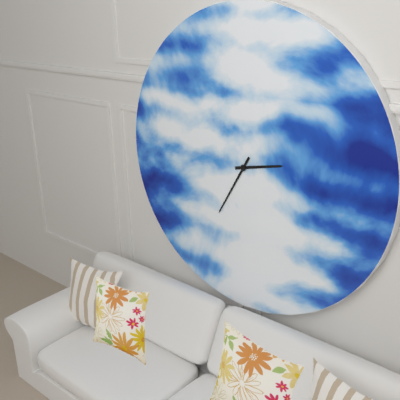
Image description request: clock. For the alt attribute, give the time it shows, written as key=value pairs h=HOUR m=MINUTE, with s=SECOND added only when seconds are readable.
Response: h=2 m=35
